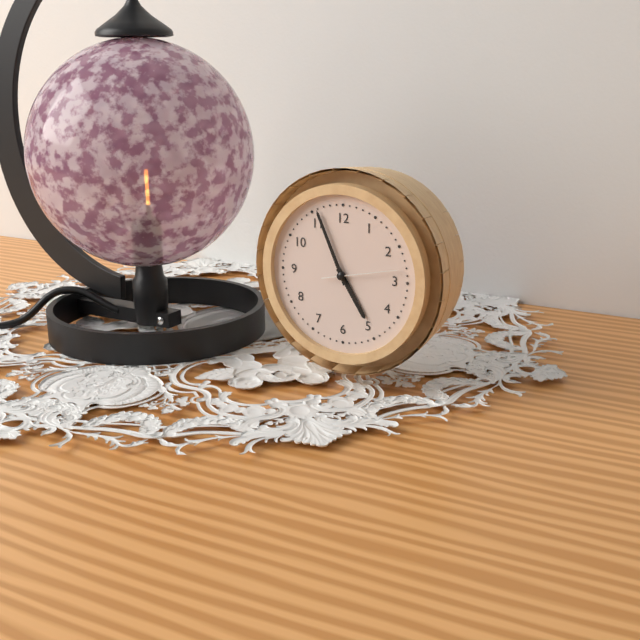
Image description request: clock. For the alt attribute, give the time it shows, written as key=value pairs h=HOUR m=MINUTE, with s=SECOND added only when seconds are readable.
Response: h=4 m=56 s=13
